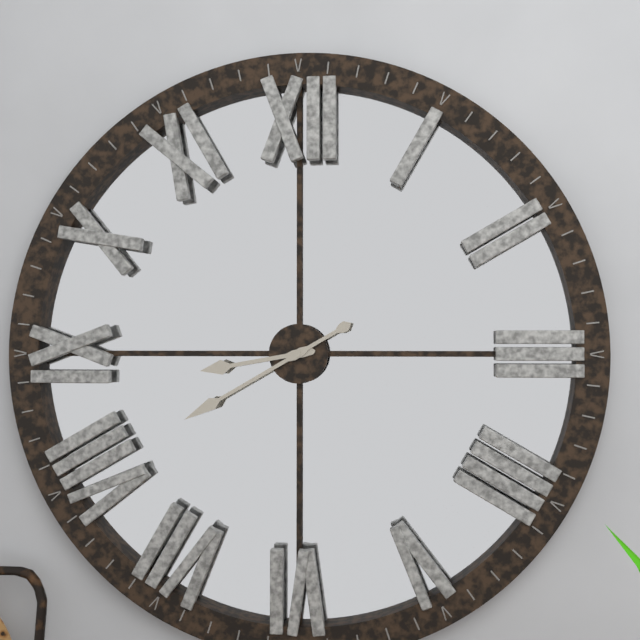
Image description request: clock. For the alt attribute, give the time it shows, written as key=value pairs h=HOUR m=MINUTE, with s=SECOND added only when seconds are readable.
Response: h=8 m=40
